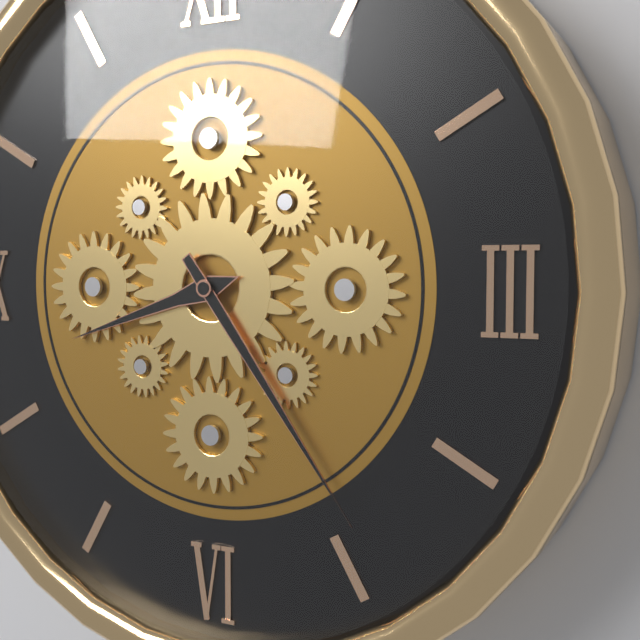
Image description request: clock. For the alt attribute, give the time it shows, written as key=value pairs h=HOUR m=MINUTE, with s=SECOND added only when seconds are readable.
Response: h=8 m=24
